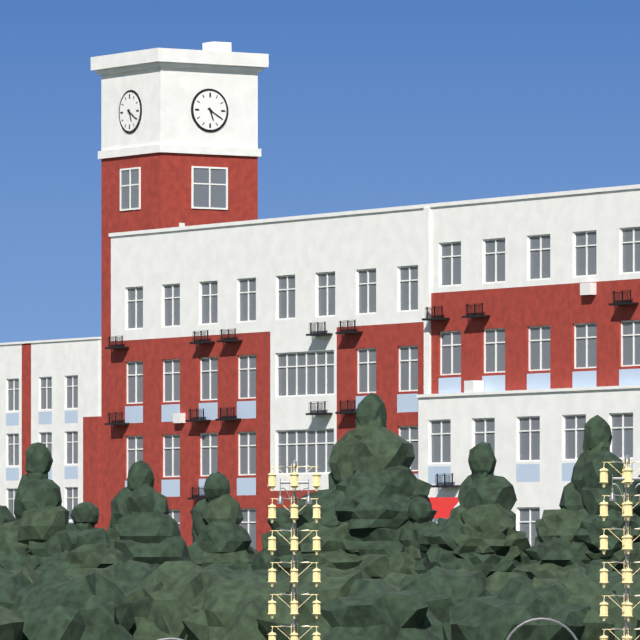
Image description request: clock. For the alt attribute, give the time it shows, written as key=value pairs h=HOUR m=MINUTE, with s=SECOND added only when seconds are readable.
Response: h=5 m=20
